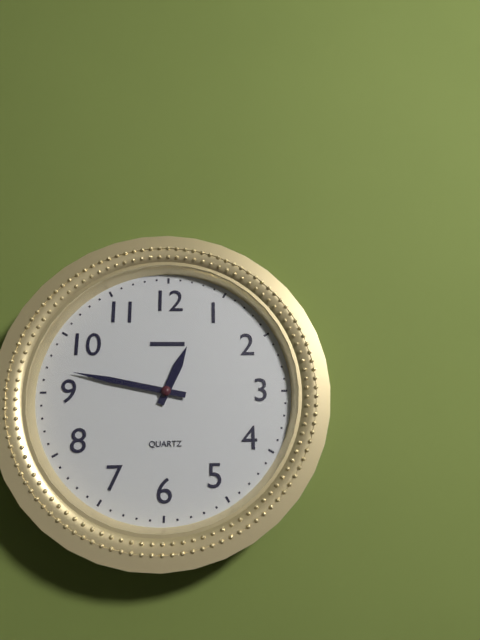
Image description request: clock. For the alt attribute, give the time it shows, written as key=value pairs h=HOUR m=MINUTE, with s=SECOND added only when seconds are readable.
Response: h=12 m=47
